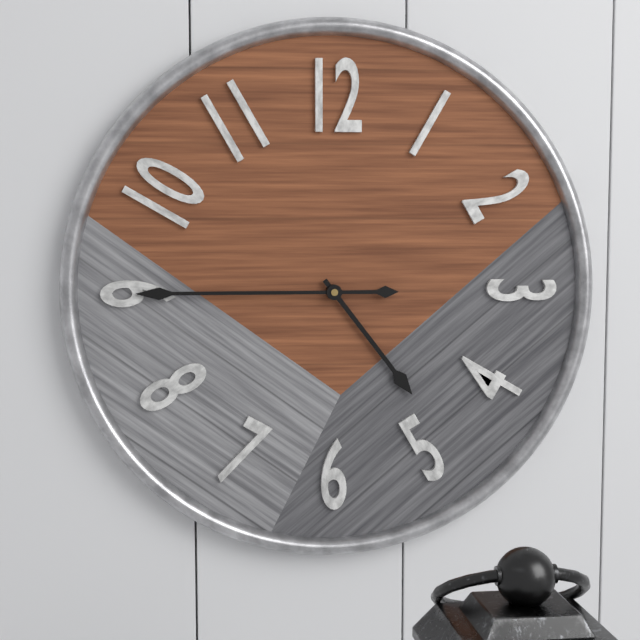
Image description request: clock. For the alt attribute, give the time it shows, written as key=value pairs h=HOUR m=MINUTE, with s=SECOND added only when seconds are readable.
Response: h=4 m=45
